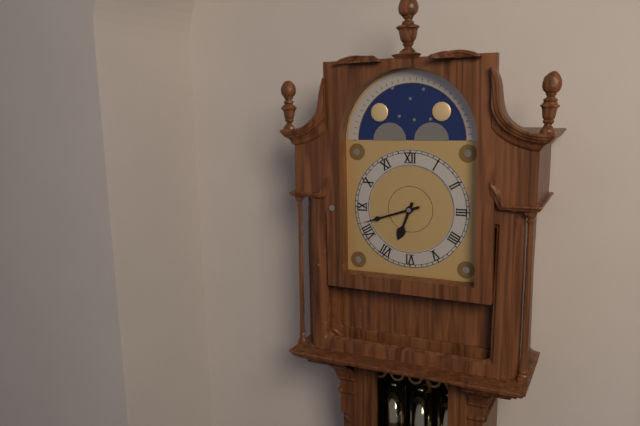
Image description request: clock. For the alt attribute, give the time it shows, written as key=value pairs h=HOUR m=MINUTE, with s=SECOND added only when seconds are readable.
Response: h=6 m=42
